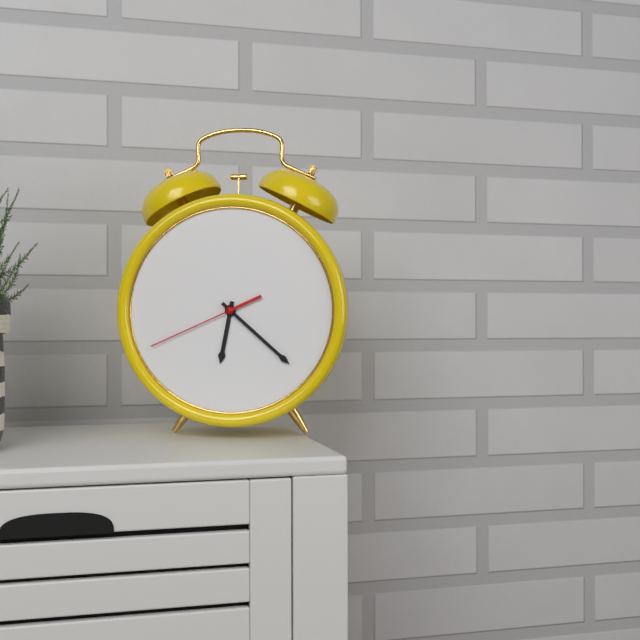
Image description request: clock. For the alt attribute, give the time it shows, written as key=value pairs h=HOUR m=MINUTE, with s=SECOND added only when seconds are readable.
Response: h=6 m=22 s=41
